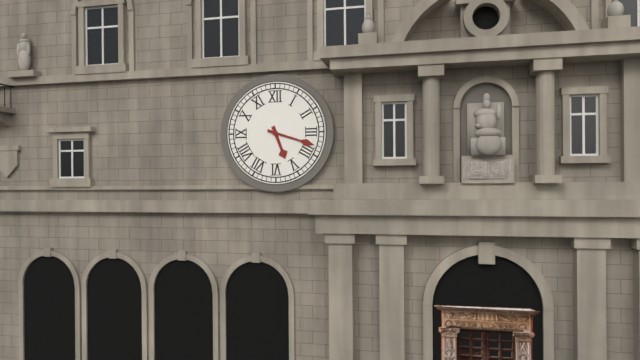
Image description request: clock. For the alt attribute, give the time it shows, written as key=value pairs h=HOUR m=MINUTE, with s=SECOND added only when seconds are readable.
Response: h=5 m=18
